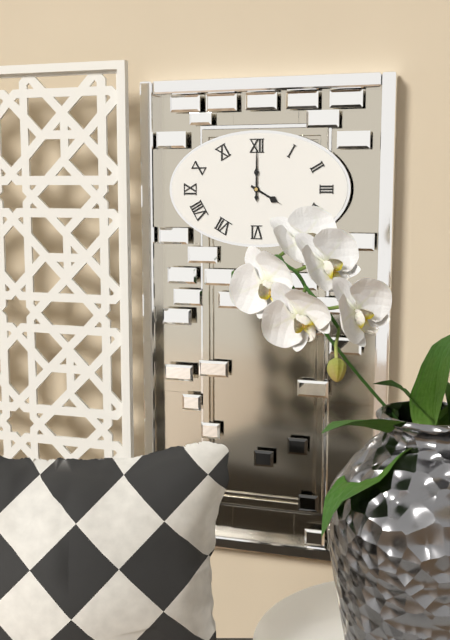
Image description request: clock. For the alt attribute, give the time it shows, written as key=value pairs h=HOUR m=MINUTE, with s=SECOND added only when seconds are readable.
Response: h=4 m=0
